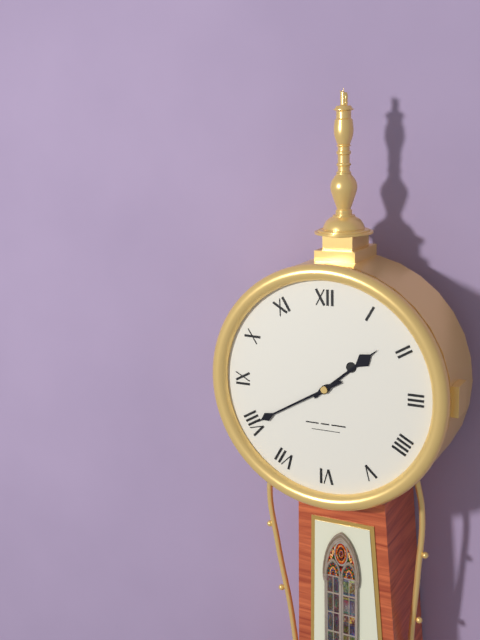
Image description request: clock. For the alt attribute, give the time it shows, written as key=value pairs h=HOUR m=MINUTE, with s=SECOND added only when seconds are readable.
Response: h=1 m=40
